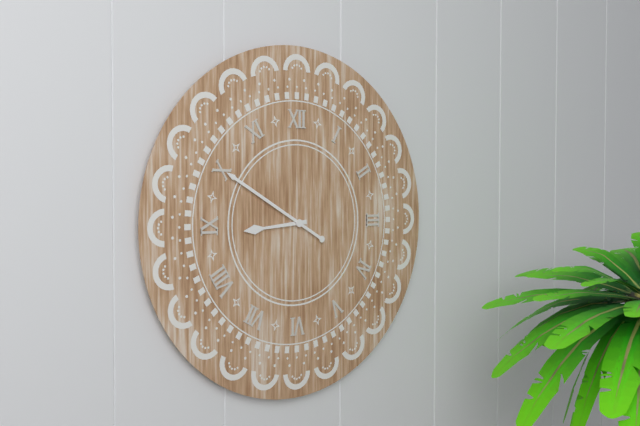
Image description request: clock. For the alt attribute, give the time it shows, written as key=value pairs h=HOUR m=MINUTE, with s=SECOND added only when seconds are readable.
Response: h=8 m=50
